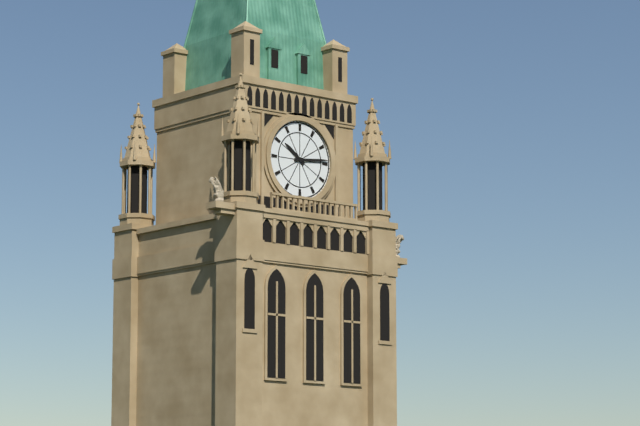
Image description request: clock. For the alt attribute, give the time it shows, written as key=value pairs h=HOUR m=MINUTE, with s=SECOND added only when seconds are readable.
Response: h=10 m=14
